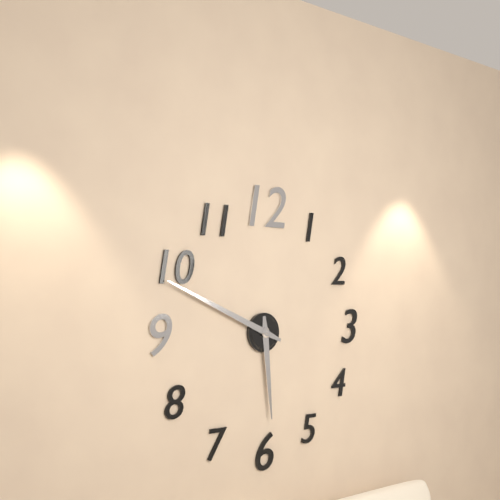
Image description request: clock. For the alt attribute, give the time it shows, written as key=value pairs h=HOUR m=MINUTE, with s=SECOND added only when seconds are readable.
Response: h=5 m=49
